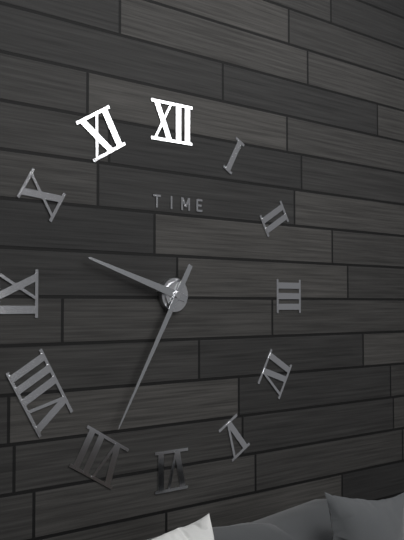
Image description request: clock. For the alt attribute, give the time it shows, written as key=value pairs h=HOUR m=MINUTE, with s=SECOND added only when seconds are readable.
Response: h=9 m=35
